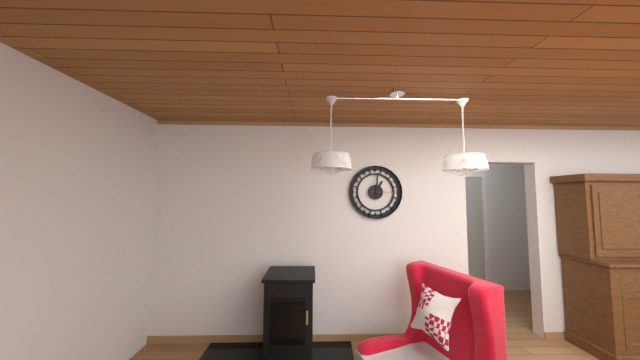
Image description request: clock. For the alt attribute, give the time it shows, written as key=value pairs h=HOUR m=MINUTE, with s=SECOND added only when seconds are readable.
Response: h=1 m=1
